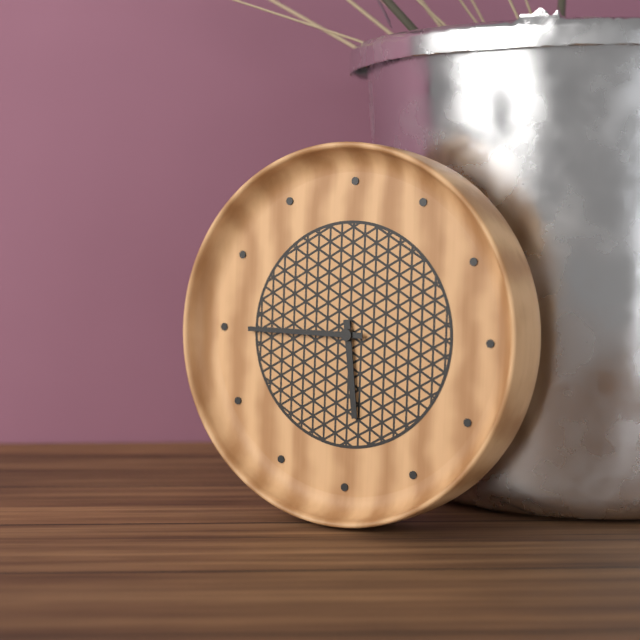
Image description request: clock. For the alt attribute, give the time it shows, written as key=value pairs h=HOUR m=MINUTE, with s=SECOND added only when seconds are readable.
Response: h=5 m=45
